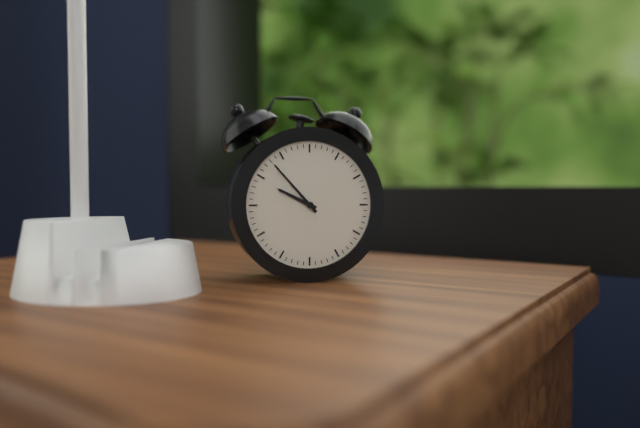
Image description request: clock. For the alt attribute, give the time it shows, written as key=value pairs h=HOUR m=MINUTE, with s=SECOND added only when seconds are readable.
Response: h=9 m=53
